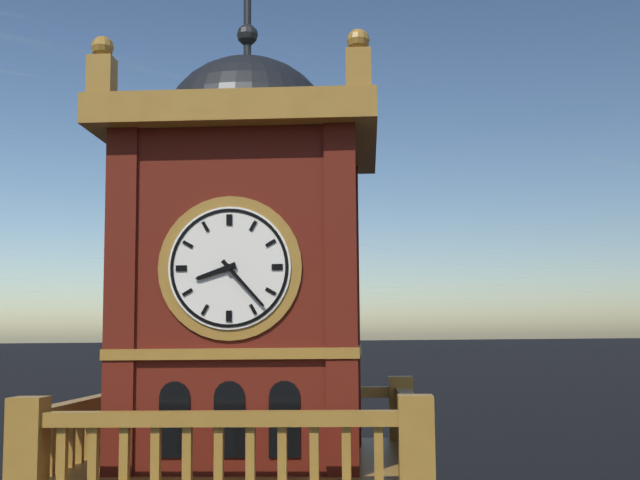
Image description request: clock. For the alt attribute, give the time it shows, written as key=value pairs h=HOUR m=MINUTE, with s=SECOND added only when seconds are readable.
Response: h=8 m=23
